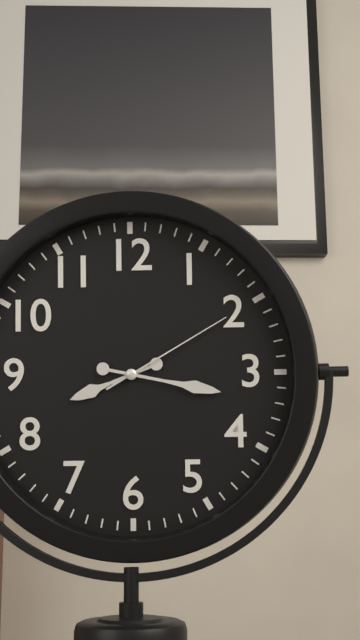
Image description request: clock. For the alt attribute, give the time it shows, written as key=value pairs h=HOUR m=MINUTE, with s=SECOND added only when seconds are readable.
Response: h=8 m=17 s=10
